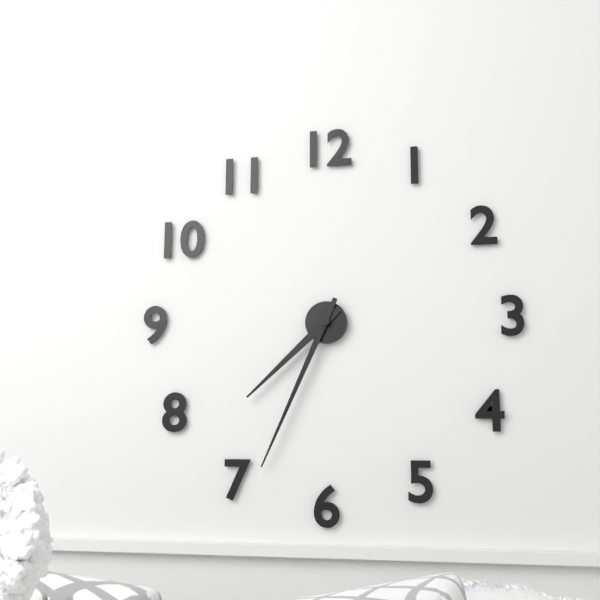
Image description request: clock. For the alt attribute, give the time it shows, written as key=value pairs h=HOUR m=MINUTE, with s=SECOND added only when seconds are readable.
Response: h=7 m=34
